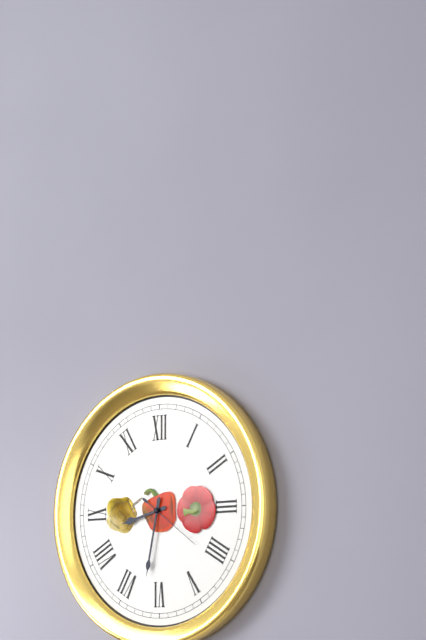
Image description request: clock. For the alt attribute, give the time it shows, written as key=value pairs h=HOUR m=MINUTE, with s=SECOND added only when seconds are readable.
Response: h=8 m=32 s=21
